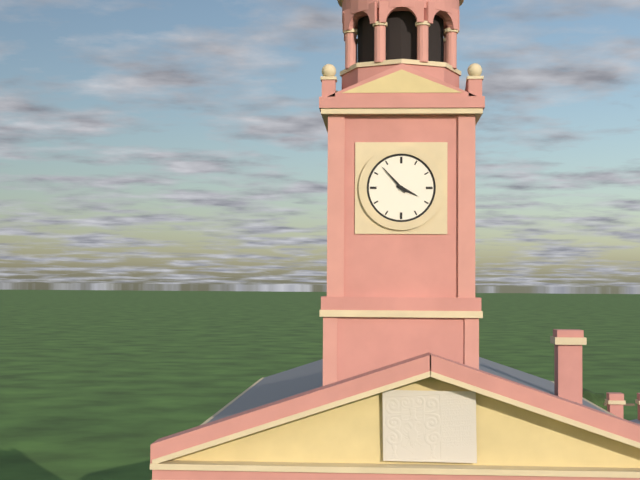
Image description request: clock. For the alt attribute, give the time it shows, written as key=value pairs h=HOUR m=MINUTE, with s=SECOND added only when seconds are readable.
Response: h=3 m=53
